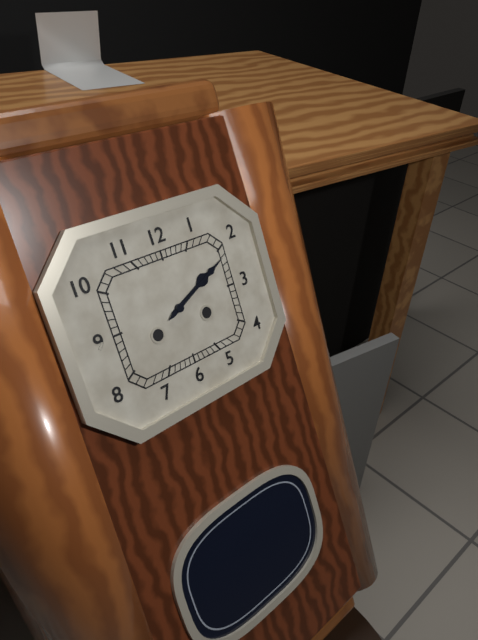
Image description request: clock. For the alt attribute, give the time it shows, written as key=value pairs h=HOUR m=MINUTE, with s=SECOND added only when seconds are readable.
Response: h=2 m=11
